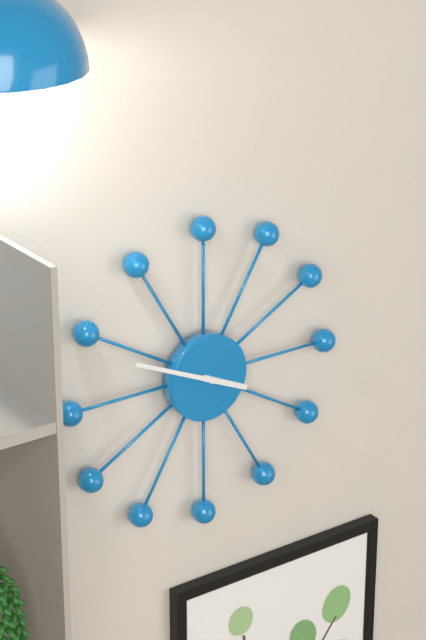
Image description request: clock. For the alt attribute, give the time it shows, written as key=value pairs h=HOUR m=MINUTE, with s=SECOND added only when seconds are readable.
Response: h=3 m=49
